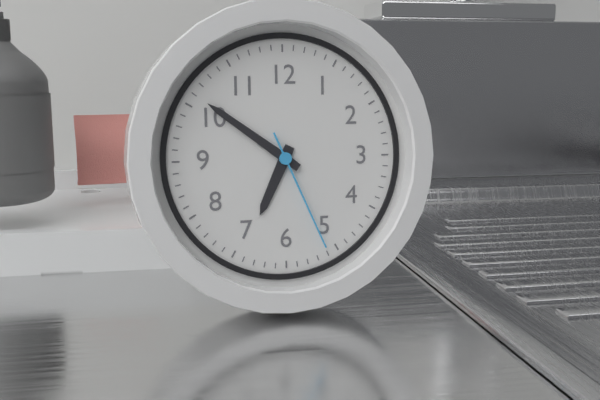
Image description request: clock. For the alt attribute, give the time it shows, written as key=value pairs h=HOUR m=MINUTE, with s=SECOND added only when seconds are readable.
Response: h=6 m=51 s=26
